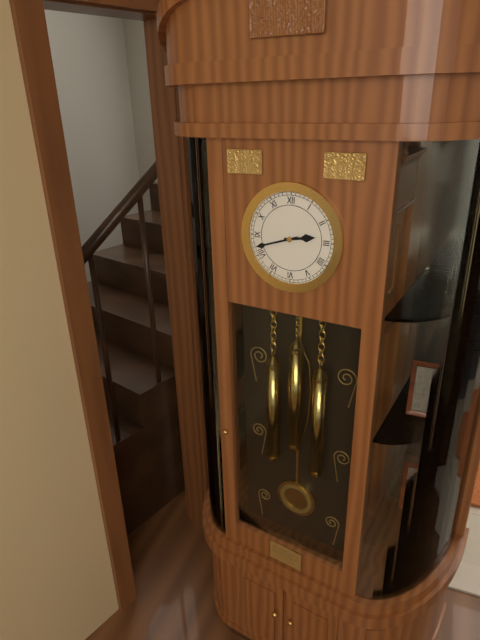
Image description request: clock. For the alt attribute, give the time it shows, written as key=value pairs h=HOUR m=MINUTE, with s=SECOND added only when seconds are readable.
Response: h=2 m=42
